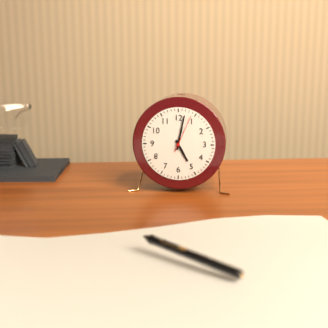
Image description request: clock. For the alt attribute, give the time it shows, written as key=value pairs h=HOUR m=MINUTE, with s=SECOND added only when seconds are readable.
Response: h=5 m=2
